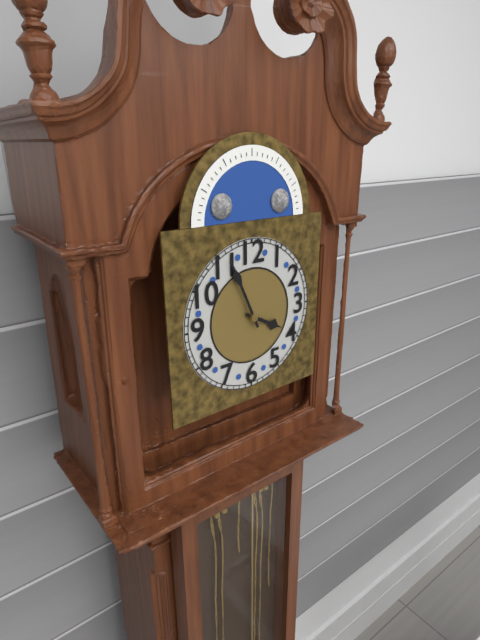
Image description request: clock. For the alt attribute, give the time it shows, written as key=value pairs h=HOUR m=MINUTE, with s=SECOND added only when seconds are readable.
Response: h=3 m=56
